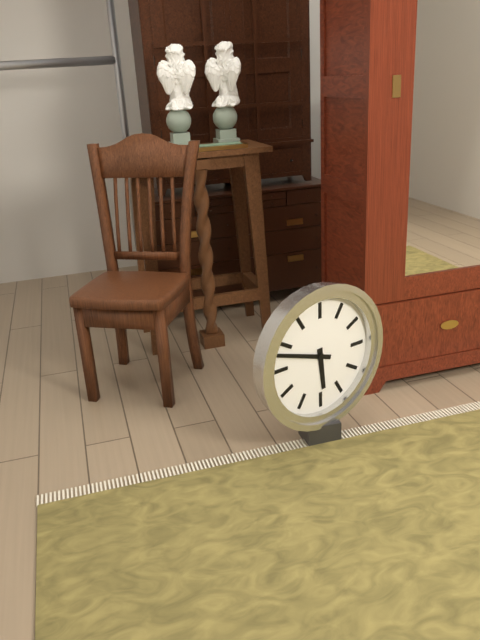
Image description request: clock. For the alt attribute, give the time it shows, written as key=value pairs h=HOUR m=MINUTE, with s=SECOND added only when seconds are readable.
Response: h=5 m=48
